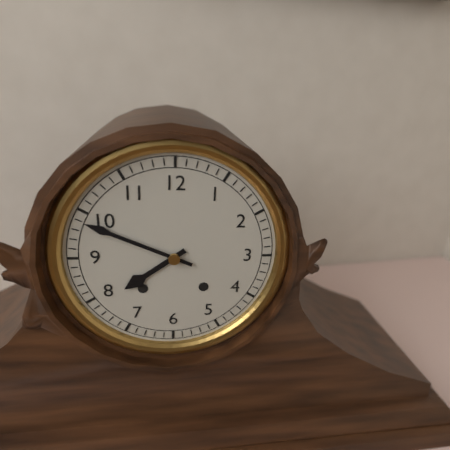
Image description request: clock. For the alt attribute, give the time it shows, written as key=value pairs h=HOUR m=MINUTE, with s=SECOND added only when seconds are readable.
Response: h=7 m=49
